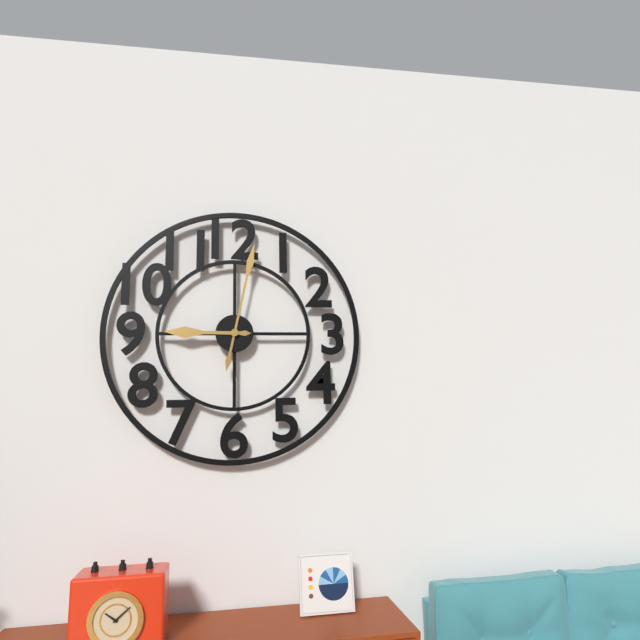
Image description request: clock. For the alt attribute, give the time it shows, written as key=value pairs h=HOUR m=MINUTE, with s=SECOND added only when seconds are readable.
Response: h=9 m=2
